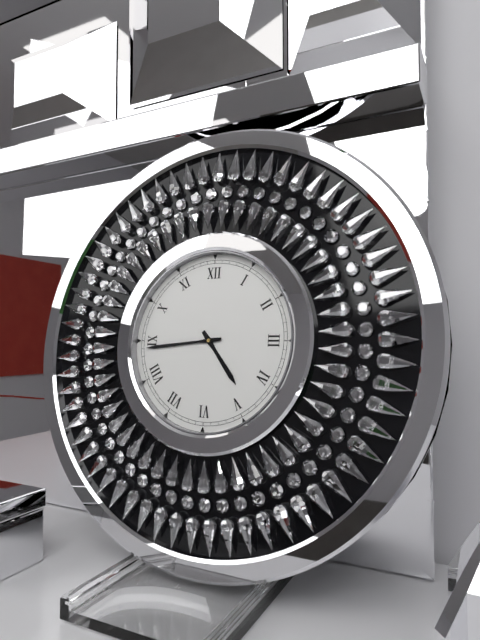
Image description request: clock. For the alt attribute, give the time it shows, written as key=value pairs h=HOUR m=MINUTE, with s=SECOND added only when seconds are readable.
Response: h=4 m=44
